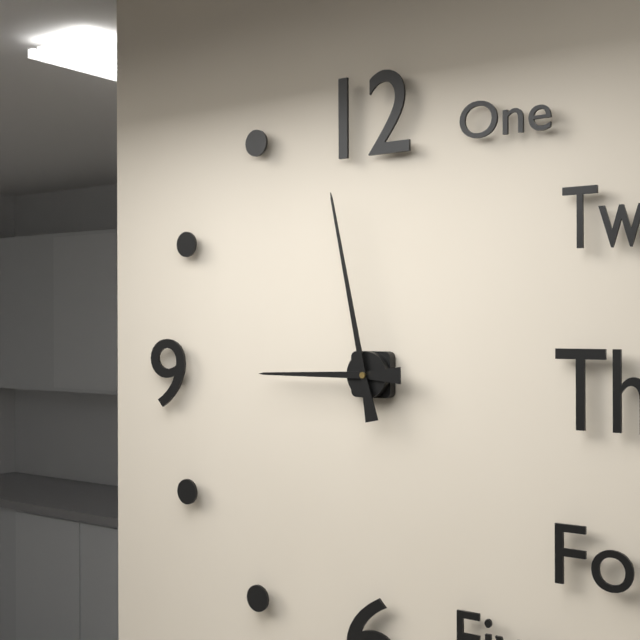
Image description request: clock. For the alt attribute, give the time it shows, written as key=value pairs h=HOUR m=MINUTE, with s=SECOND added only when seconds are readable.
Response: h=8 m=58
